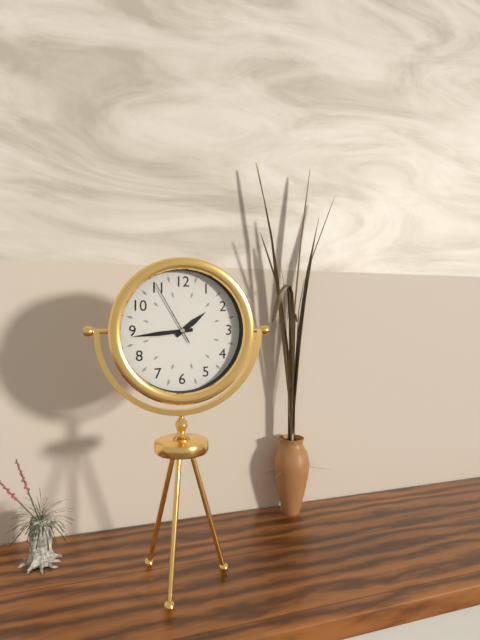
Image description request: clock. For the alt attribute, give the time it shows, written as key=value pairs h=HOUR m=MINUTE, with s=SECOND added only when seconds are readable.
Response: h=1 m=44 s=55
